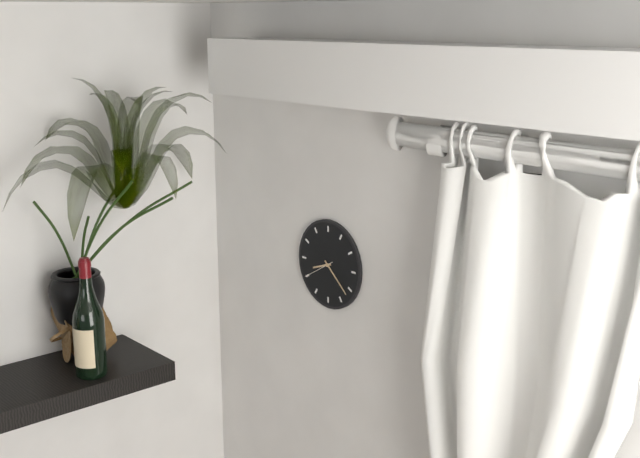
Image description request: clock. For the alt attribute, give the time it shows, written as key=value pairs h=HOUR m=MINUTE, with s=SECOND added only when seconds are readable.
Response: h=8 m=22
